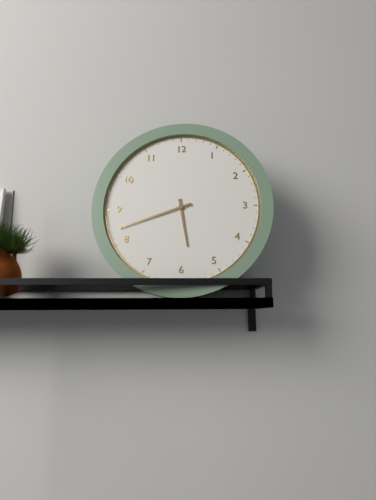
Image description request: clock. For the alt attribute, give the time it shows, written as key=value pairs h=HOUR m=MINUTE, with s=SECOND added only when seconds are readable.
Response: h=5 m=42
